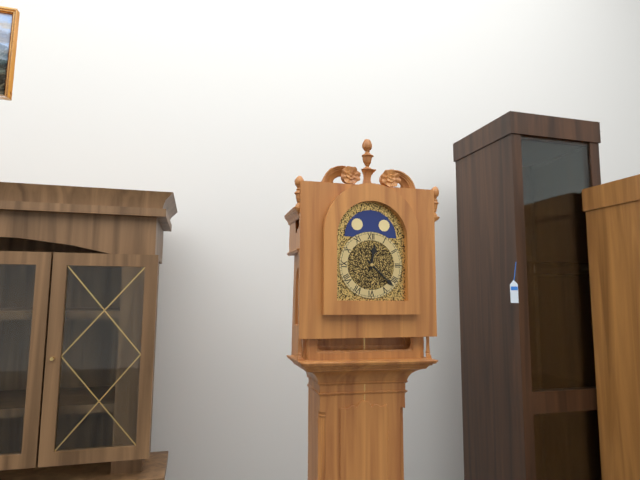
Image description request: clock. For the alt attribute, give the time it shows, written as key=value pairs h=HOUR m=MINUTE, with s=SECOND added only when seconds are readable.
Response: h=12 m=22
